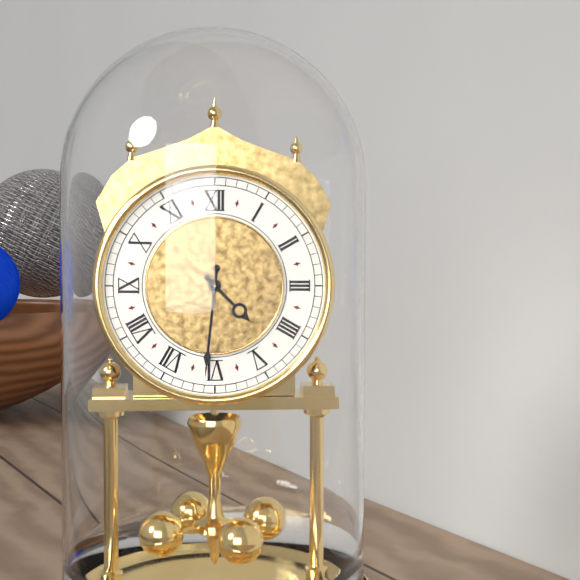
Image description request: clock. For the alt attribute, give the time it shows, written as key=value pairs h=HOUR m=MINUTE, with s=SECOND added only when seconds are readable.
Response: h=4 m=31
